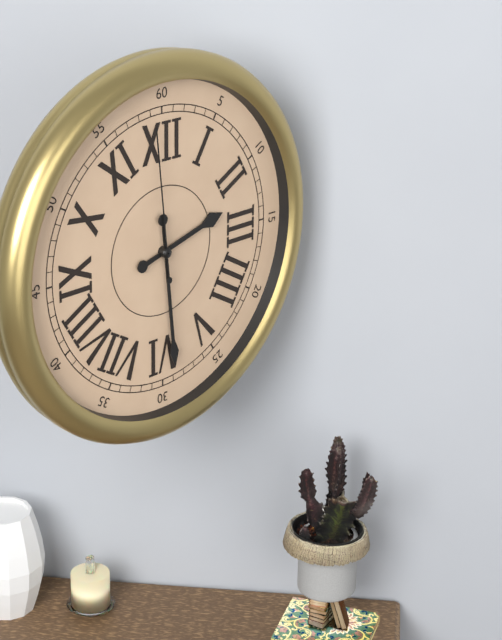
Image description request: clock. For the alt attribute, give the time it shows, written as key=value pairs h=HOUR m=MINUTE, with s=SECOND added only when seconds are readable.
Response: h=2 m=29 s=59
